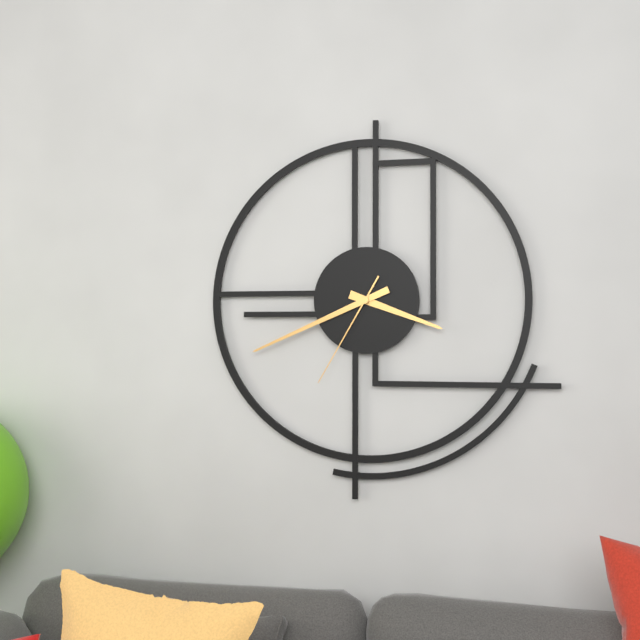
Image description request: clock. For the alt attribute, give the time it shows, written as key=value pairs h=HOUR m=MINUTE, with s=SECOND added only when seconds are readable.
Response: h=3 m=41 s=35
